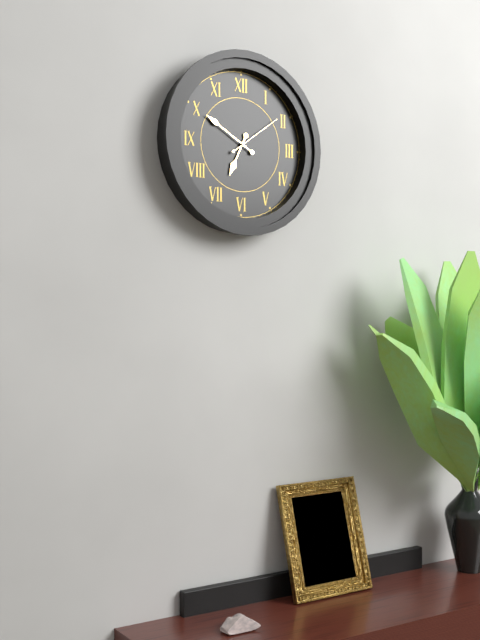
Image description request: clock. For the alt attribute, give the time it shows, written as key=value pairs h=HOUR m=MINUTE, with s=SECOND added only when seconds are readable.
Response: h=6 m=50 s=9
